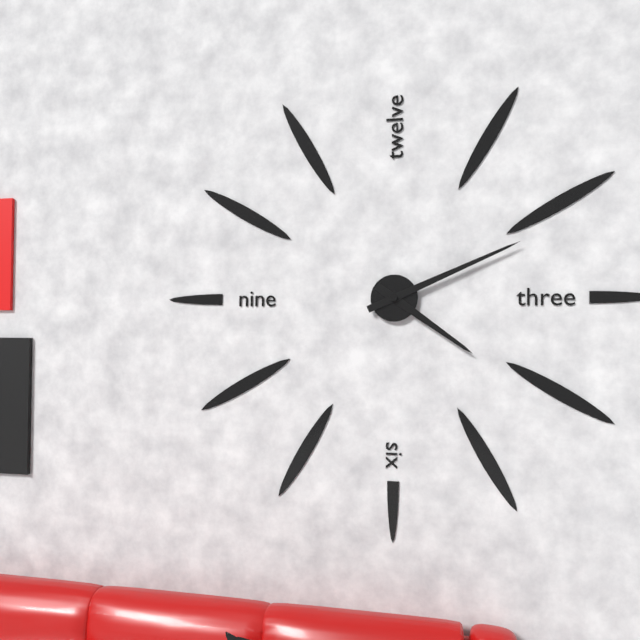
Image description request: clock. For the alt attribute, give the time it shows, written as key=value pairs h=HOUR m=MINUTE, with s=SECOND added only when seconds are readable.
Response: h=4 m=11
